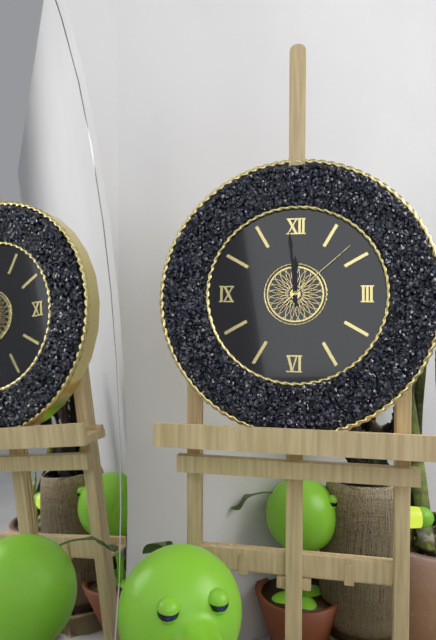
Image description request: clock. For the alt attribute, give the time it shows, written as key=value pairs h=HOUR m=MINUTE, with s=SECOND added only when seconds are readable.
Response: h=11 m=59 s=8
